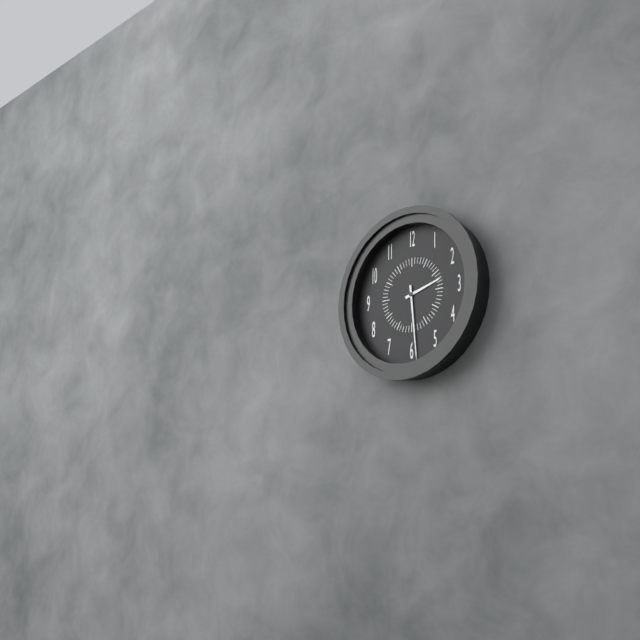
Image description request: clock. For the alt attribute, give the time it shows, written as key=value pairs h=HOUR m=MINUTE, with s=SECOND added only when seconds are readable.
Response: h=2 m=29
